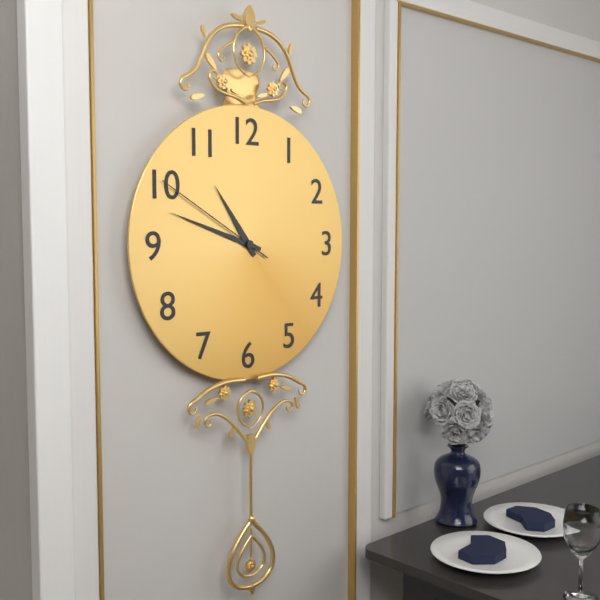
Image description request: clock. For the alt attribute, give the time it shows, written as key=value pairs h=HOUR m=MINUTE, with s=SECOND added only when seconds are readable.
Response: h=10 m=48 s=50
